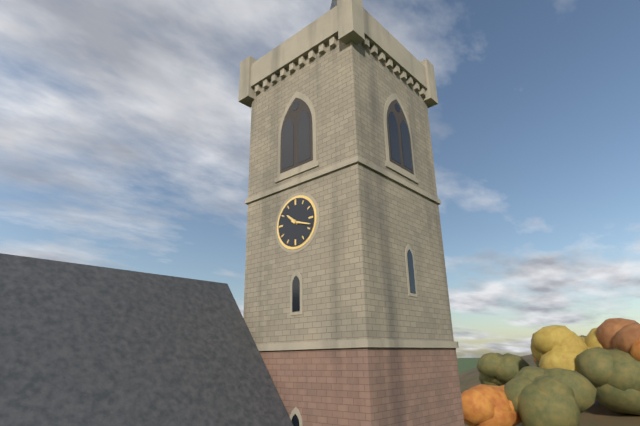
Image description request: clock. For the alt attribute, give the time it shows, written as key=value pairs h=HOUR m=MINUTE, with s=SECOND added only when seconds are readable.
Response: h=10 m=18
